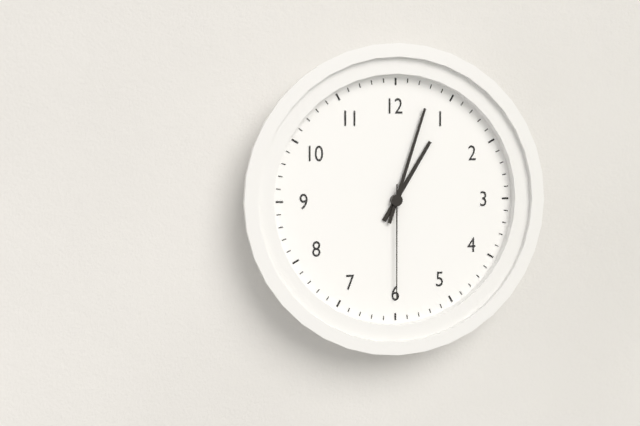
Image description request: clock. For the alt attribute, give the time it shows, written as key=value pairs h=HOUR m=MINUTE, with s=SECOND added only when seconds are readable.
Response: h=1 m=3 s=30
